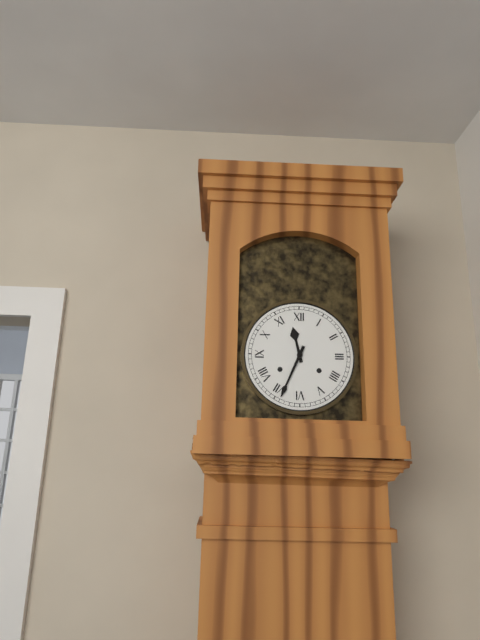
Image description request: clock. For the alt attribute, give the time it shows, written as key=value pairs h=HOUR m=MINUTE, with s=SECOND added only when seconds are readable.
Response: h=11 m=34
